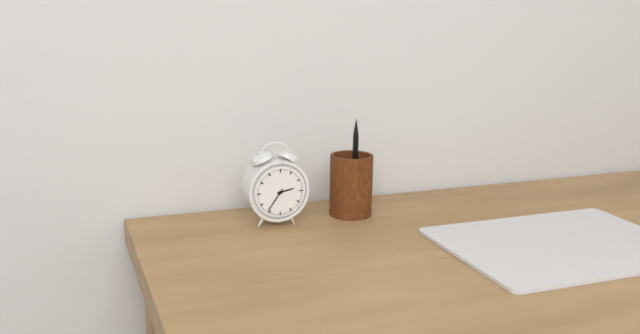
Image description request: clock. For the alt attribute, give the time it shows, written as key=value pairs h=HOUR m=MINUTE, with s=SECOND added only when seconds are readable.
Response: h=2 m=36
